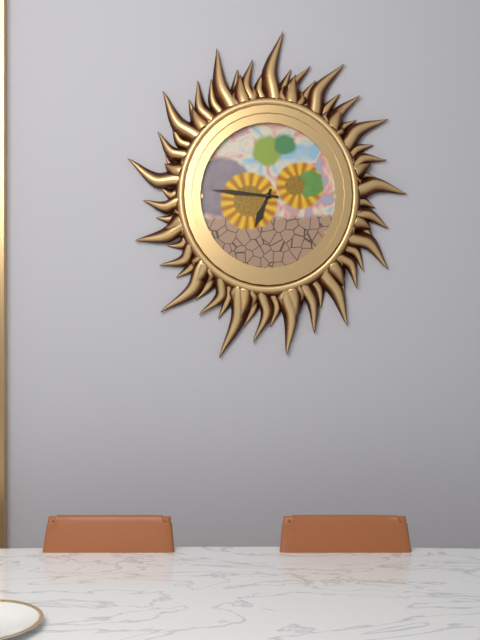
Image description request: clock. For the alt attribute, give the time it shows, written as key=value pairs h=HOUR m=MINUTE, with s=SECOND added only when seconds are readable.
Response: h=6 m=46
